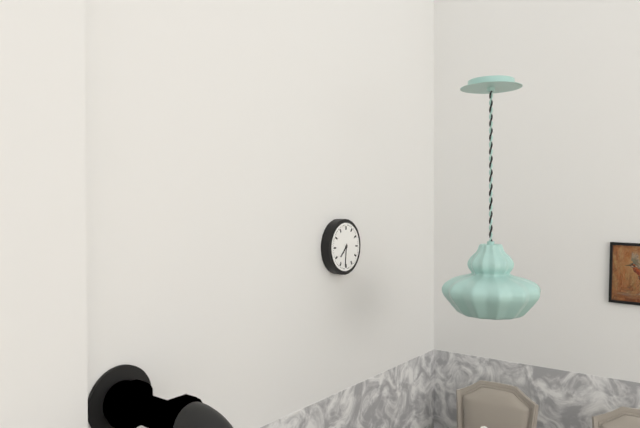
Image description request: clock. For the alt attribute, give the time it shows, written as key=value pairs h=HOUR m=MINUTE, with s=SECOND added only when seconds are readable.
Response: h=7 m=31
